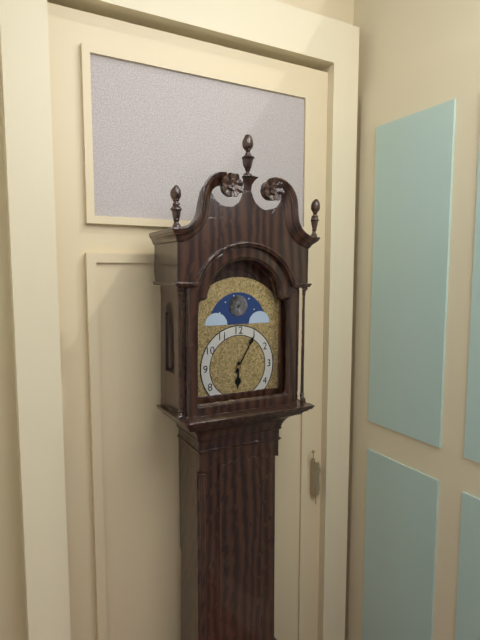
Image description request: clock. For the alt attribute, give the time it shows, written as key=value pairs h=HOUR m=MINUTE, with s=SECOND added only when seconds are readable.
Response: h=6 m=5
